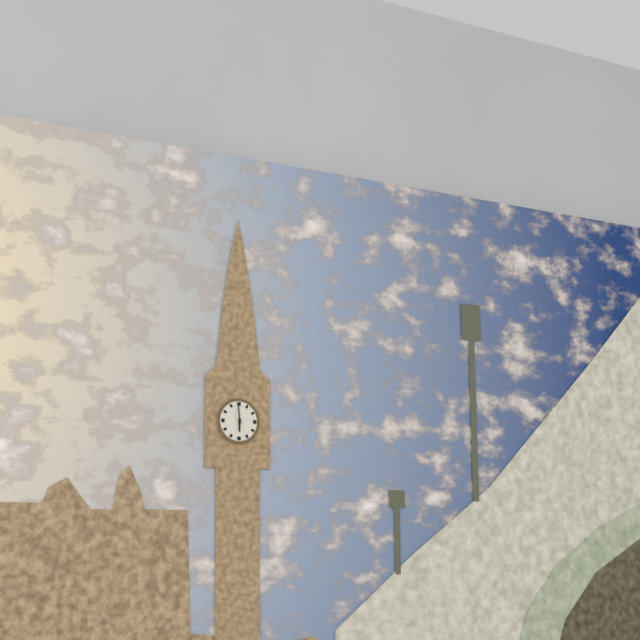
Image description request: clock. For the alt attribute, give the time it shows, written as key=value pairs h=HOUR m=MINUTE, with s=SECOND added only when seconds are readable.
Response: h=5 m=59
